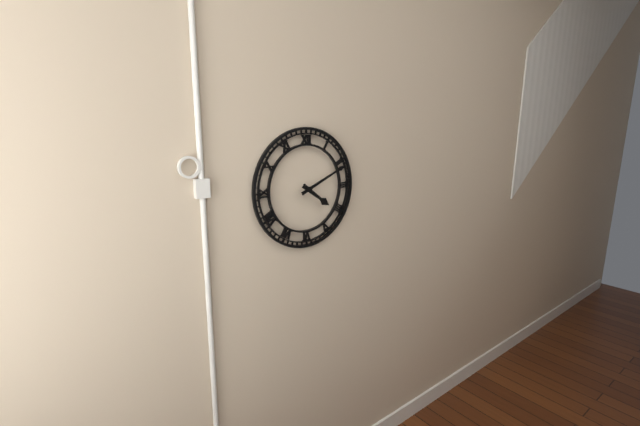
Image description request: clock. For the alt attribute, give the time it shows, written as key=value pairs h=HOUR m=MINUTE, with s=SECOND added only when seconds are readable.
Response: h=4 m=11
